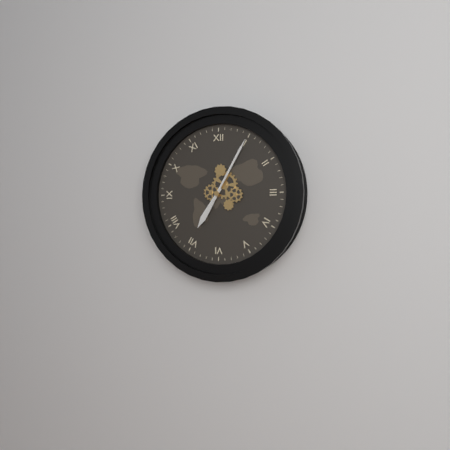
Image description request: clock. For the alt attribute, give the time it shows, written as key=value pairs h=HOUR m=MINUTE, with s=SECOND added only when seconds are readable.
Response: h=7 m=5
